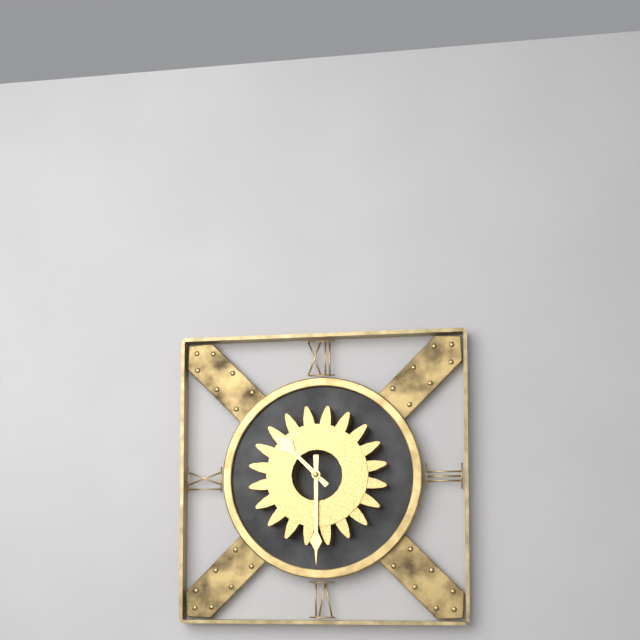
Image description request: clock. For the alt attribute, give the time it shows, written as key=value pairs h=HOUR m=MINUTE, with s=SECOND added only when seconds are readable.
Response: h=10 m=30
